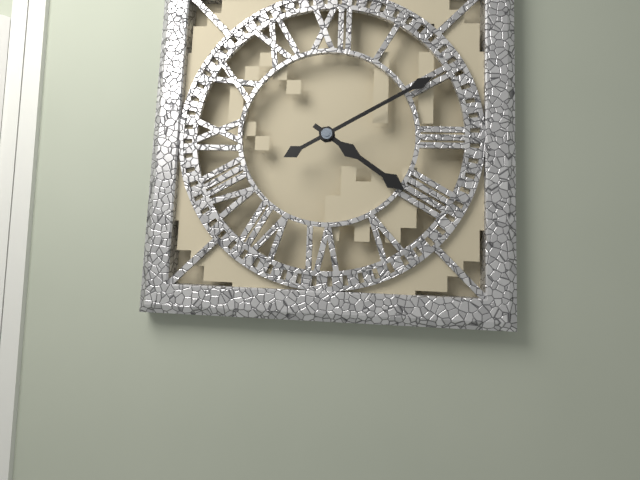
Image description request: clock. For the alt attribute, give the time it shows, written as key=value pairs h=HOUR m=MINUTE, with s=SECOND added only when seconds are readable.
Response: h=4 m=10
